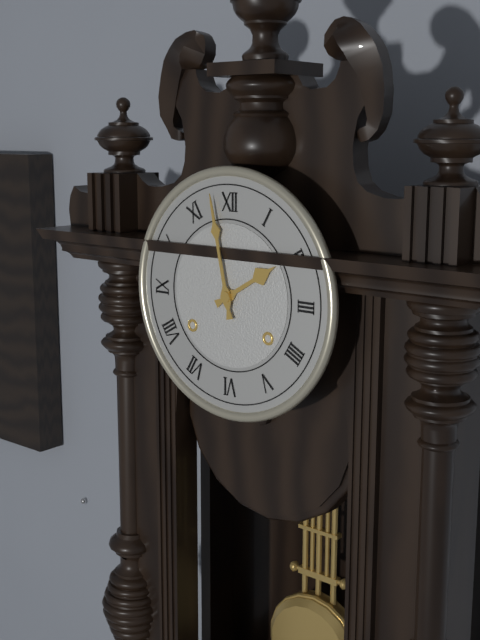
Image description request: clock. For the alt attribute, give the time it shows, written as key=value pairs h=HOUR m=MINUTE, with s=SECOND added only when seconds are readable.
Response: h=1 m=58
